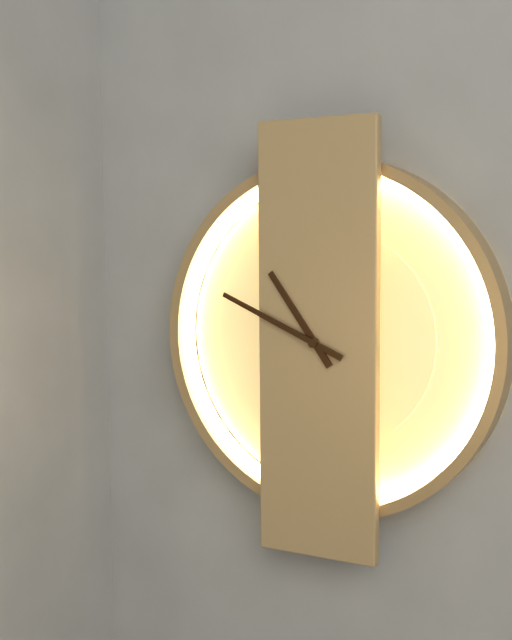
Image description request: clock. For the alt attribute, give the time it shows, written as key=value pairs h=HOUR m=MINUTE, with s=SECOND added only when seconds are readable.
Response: h=10 m=49
